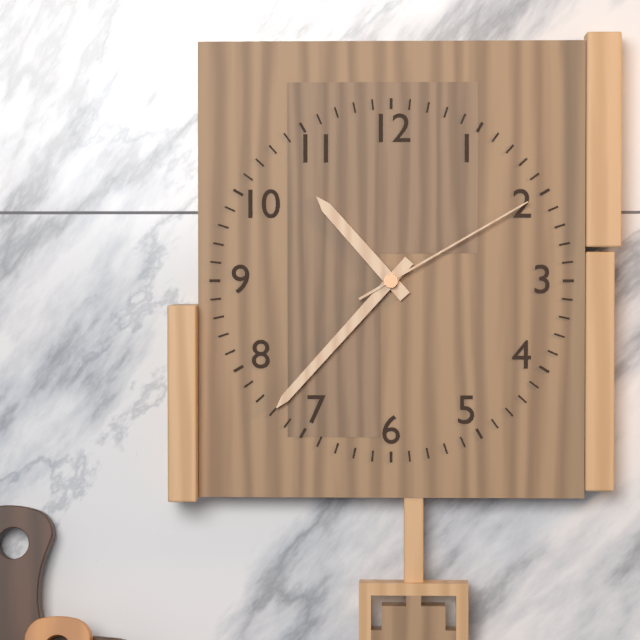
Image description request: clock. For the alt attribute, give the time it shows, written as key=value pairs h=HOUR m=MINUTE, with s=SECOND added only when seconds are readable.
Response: h=10 m=37 s=10
